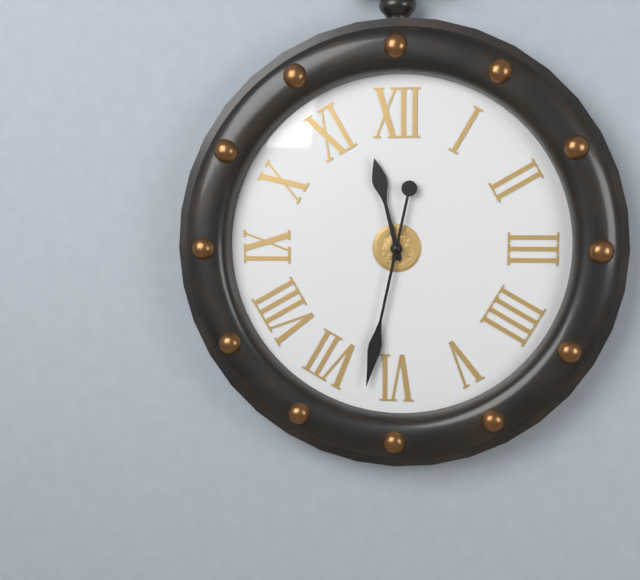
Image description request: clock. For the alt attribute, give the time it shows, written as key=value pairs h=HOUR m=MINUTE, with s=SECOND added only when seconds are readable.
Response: h=11 m=32
